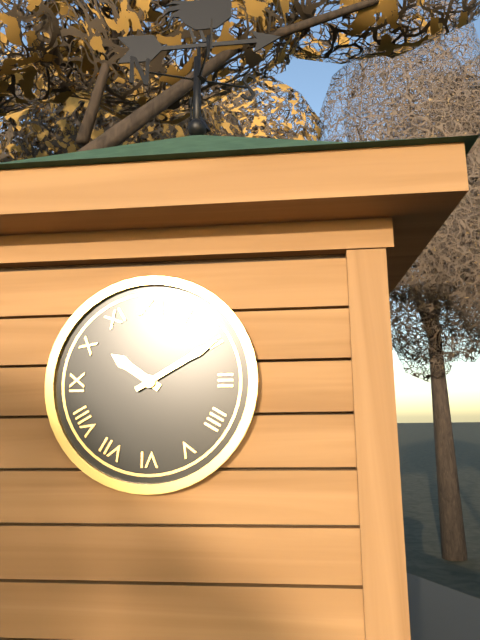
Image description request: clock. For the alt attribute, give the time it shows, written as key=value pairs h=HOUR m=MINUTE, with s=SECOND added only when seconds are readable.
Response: h=10 m=10
